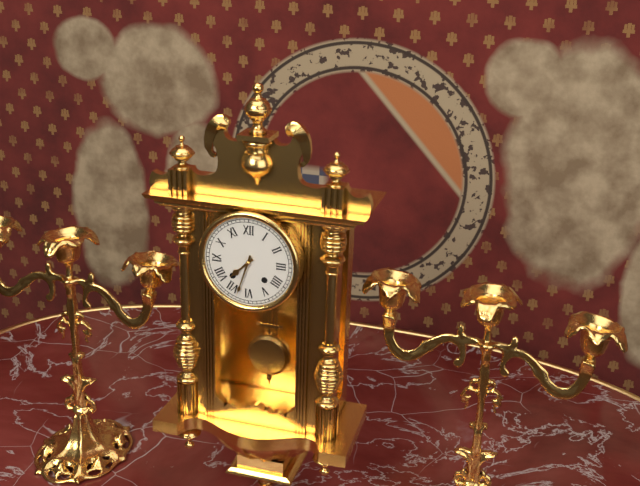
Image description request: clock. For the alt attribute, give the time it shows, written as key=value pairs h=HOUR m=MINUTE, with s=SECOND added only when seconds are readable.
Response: h=7 m=33
